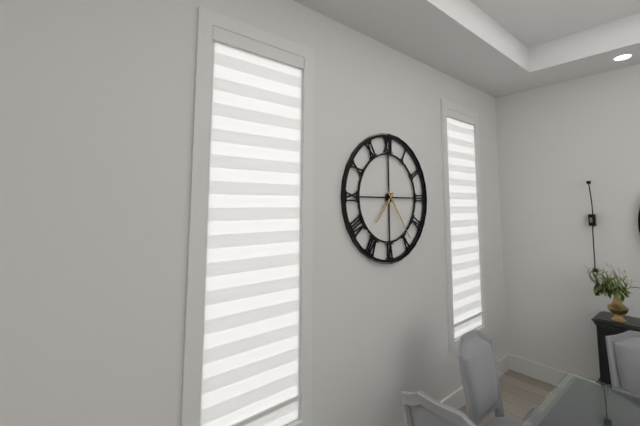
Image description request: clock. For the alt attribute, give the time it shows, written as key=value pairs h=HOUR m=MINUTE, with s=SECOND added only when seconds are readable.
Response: h=7 m=24
